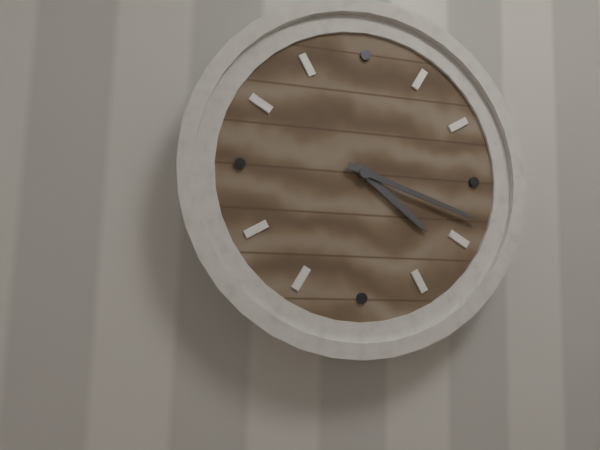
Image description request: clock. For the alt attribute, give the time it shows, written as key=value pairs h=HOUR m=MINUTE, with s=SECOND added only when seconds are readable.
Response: h=4 m=18
